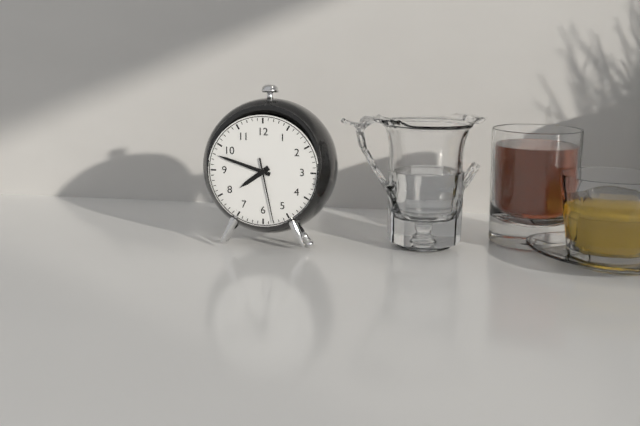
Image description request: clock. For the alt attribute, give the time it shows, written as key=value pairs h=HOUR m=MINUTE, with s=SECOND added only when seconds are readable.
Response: h=7 m=48 s=28
